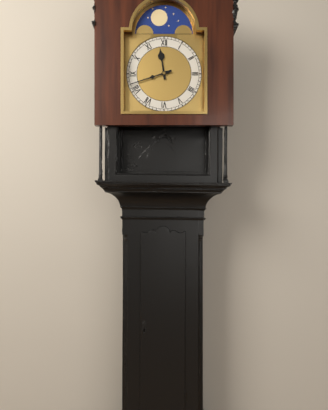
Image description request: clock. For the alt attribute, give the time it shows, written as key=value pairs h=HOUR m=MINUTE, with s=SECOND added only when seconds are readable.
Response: h=11 m=42
